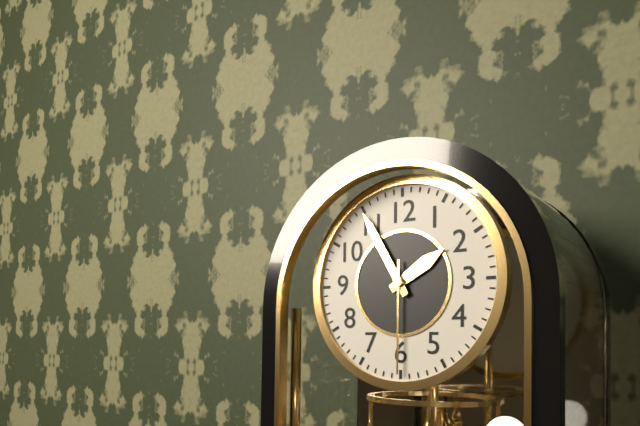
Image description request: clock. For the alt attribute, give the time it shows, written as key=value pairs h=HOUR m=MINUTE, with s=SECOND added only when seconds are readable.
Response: h=1 m=55 s=30
